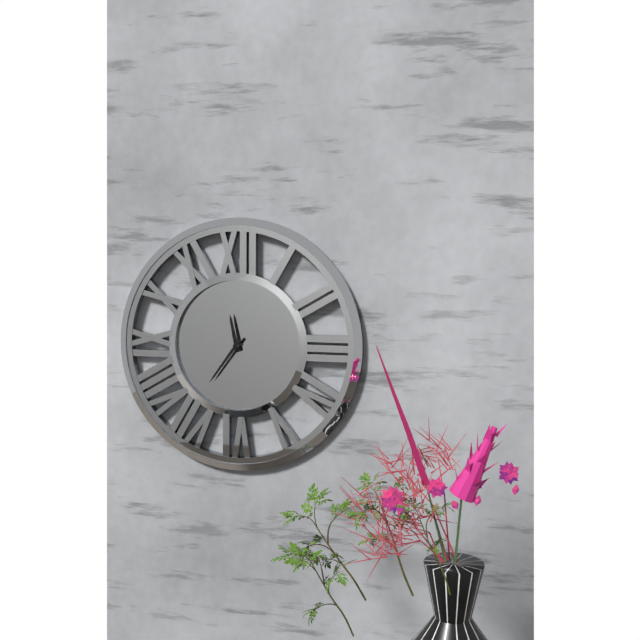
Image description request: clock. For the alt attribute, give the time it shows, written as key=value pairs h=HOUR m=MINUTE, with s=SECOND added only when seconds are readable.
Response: h=11 m=36
